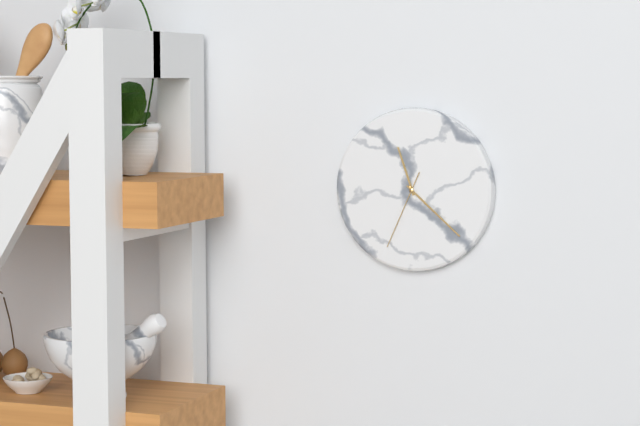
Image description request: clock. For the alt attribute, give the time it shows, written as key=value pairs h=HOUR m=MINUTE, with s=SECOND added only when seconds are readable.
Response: h=11 m=22 s=34
